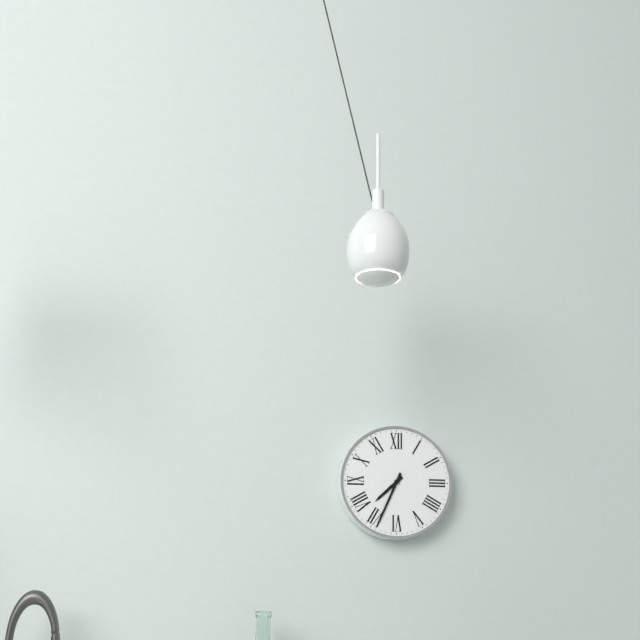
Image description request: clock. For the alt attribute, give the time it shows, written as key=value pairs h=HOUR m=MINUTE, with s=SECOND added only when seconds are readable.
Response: h=7 m=34
